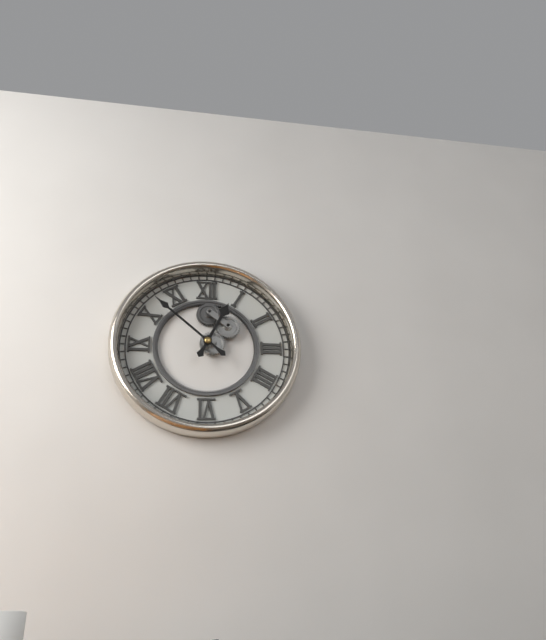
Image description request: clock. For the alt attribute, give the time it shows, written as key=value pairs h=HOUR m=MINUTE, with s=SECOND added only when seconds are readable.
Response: h=12 m=52
